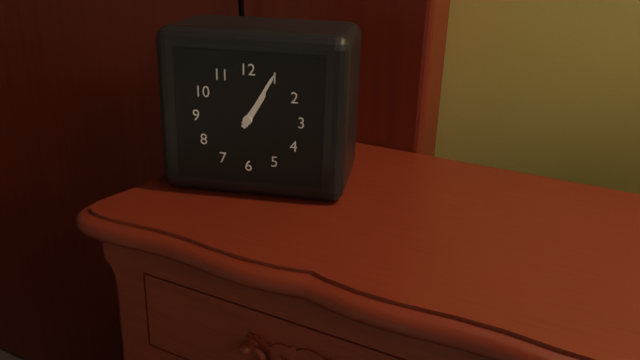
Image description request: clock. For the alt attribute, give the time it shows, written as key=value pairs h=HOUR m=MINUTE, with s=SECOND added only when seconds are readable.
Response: h=1 m=5
